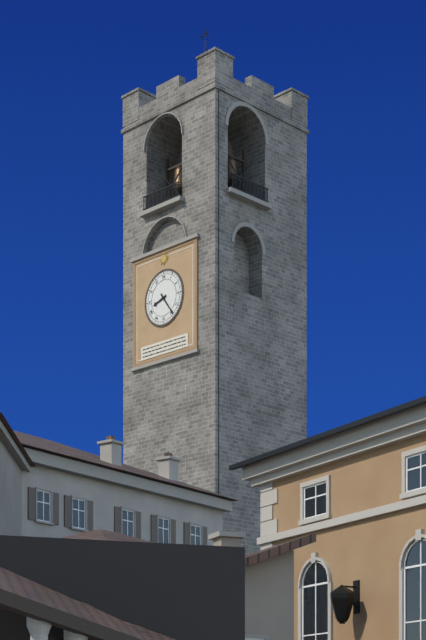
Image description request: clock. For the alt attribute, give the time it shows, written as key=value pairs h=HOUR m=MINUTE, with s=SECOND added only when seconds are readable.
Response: h=8 m=24
